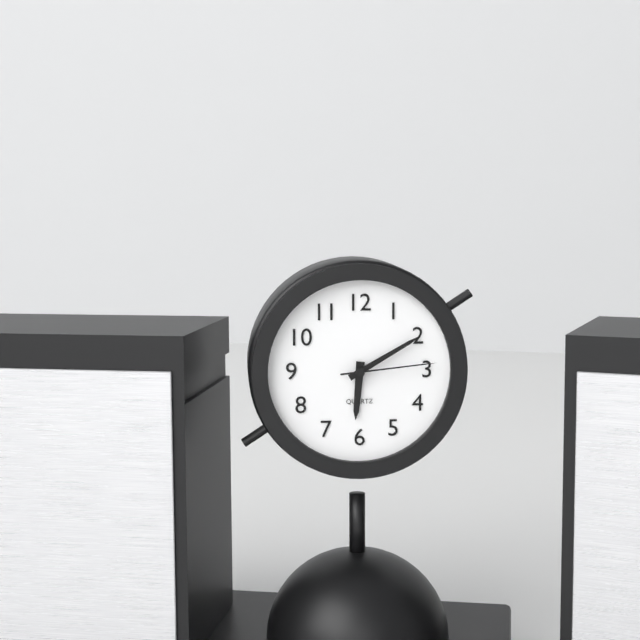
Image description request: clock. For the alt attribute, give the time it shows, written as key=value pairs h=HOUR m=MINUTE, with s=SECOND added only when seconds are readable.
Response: h=6 m=10 s=14
